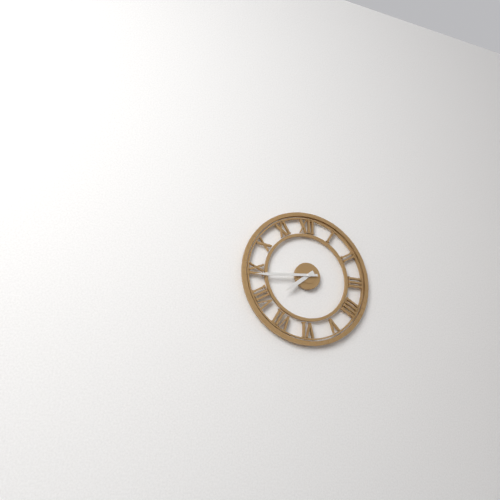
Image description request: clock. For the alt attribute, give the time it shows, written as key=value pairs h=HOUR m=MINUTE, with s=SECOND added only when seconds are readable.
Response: h=7 m=44
